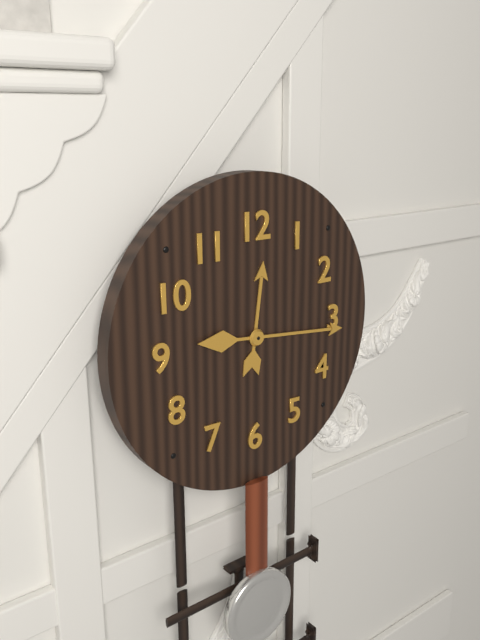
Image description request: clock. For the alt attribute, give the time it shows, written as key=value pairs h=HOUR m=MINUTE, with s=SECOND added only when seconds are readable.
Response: h=12 m=16
